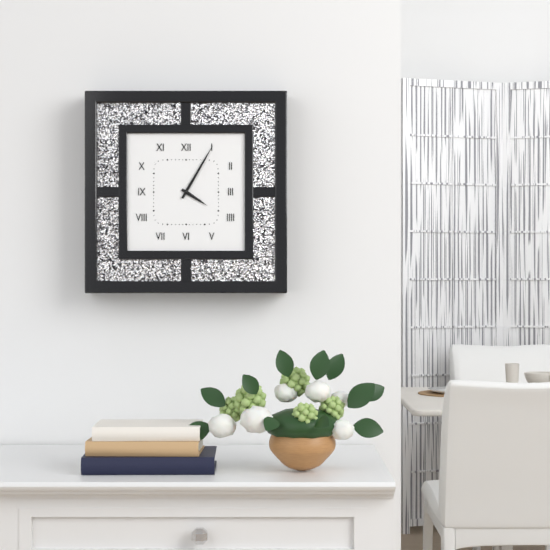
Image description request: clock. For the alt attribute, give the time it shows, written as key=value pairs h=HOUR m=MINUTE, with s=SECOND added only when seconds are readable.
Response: h=4 m=5
